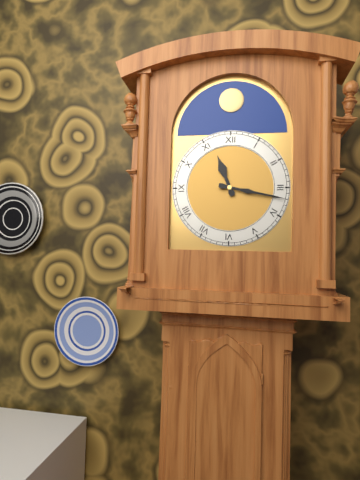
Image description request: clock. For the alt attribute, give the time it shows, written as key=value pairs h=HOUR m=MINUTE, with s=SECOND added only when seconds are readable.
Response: h=11 m=17
